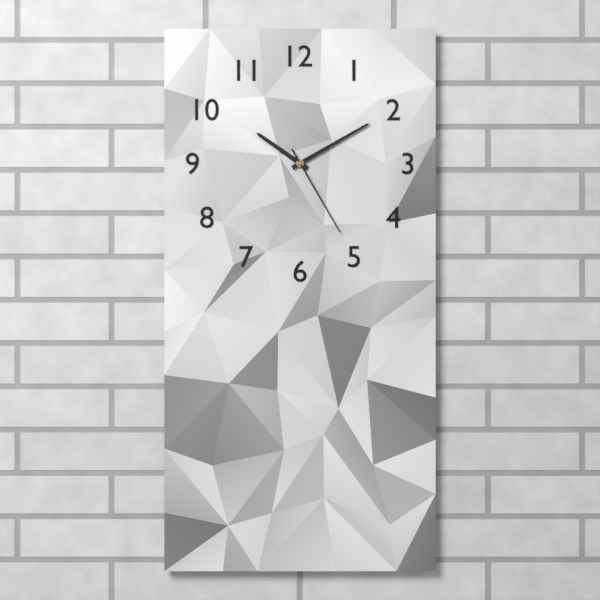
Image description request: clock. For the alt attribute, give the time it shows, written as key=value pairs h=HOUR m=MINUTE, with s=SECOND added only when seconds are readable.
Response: h=10 m=10 s=25
